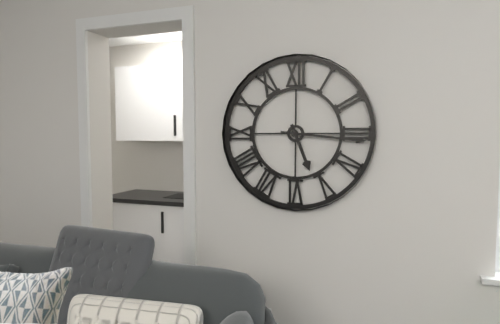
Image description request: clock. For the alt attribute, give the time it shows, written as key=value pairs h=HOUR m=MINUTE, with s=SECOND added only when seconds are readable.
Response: h=5 m=16
